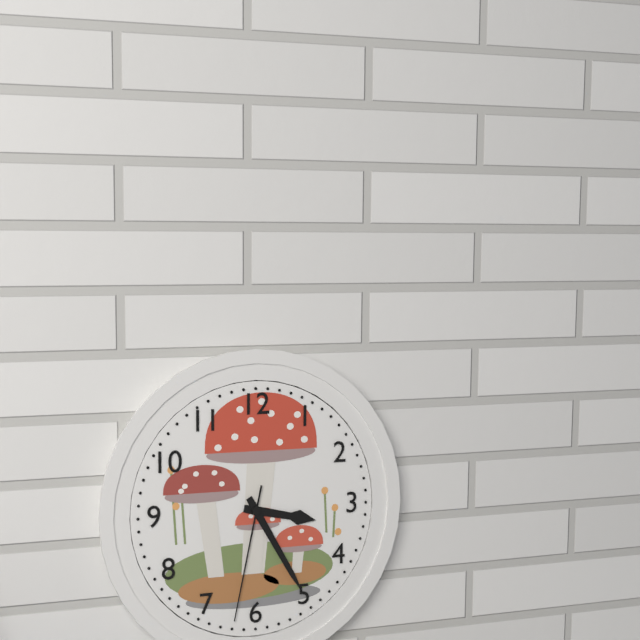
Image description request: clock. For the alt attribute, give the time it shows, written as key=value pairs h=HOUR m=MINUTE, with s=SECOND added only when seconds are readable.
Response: h=3 m=25 s=32
